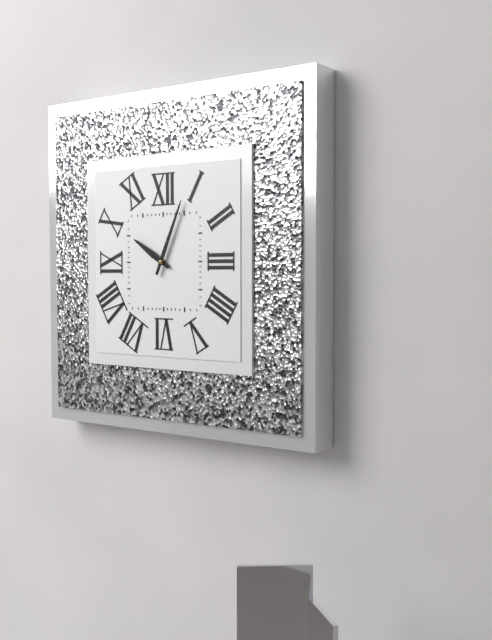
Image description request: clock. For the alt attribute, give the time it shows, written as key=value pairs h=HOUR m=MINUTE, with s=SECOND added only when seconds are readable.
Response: h=10 m=4
